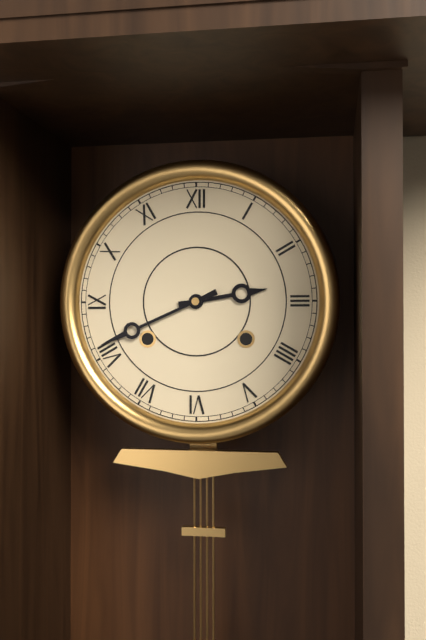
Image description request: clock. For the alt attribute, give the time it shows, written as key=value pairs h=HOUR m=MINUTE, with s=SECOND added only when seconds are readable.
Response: h=2 m=41
